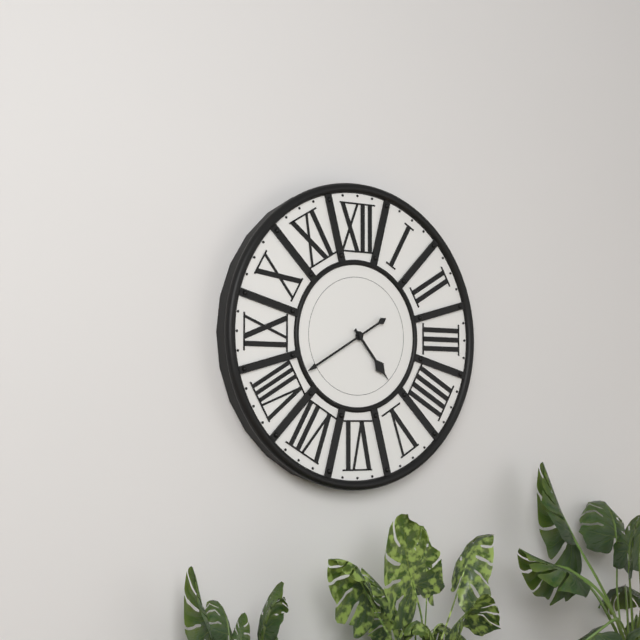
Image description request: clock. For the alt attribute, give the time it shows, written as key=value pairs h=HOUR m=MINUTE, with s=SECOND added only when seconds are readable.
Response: h=4 m=40
